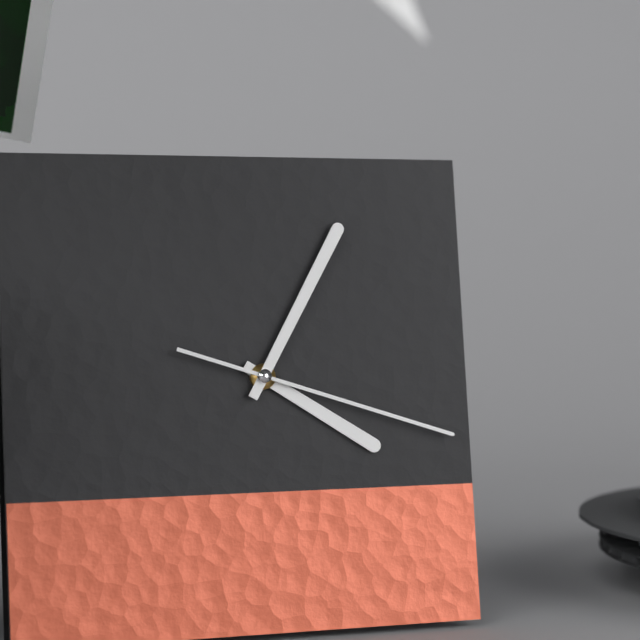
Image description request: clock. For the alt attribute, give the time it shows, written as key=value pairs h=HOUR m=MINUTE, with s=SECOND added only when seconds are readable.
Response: h=4 m=5 s=18
